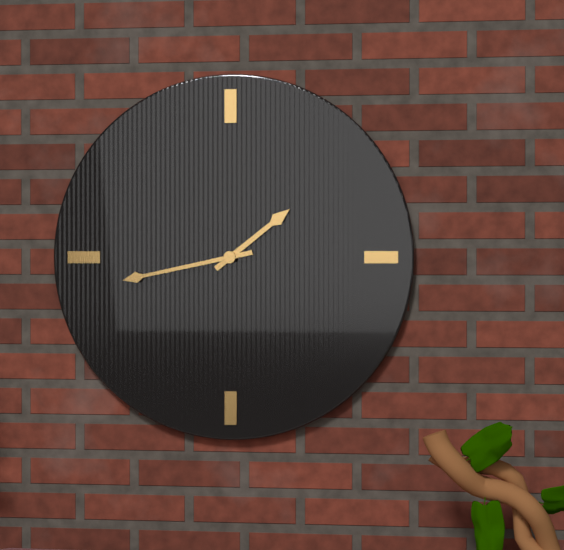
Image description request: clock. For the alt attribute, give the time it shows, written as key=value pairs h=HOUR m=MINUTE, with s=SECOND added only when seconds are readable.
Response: h=1 m=43
